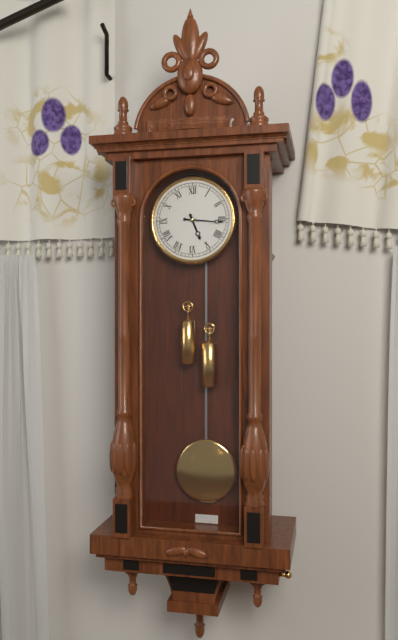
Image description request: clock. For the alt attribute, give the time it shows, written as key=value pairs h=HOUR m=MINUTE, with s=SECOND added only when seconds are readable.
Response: h=5 m=16
